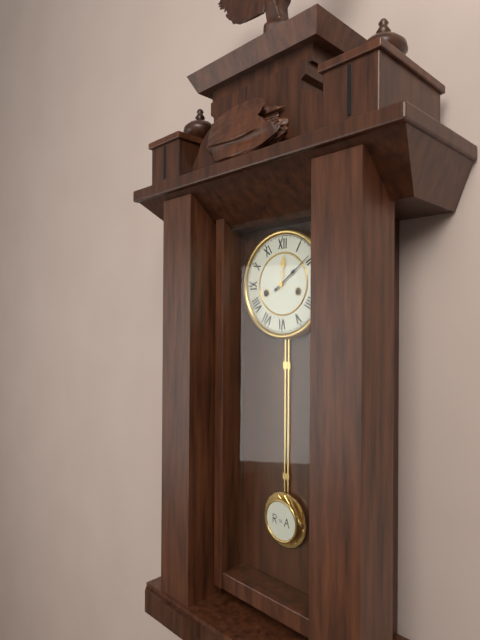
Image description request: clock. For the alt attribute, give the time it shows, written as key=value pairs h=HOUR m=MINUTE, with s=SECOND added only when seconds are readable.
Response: h=12 m=9
